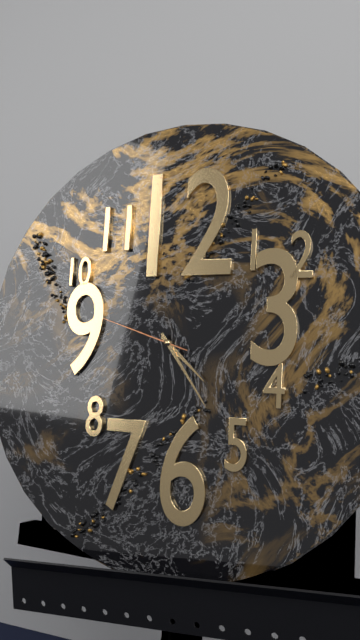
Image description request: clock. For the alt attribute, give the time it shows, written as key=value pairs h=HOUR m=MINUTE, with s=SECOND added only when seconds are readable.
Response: h=4 m=24 s=48
